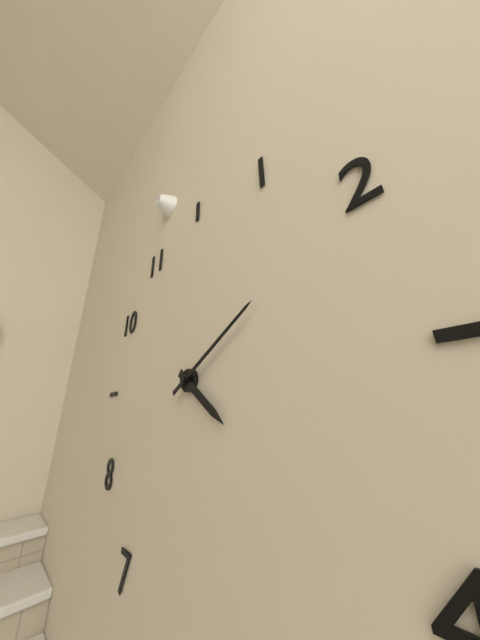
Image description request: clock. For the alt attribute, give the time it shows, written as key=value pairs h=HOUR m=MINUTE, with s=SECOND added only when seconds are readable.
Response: h=4 m=10
